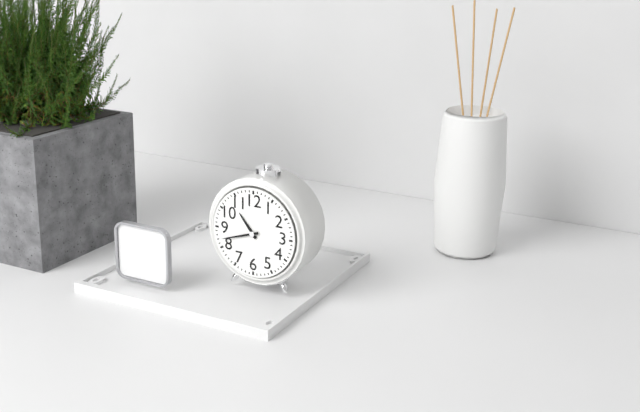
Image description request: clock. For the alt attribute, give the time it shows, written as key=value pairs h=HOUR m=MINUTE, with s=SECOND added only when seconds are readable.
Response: h=10 m=42
